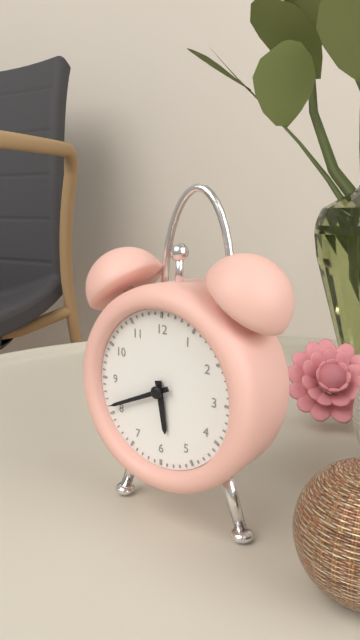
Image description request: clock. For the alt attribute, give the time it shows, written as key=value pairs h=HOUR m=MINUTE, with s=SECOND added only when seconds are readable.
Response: h=5 m=41
